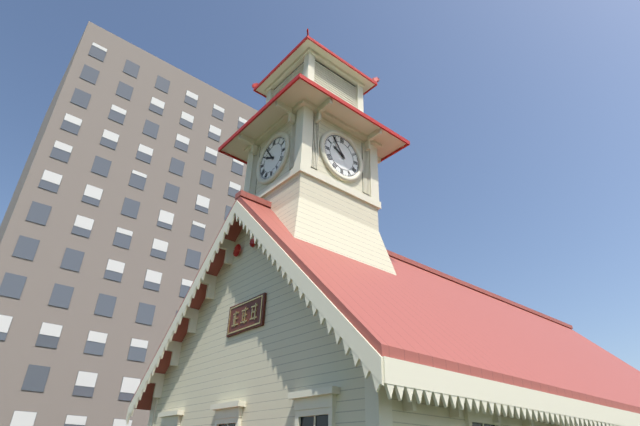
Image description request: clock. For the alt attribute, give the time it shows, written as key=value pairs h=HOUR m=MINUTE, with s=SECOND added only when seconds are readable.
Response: h=9 m=54
